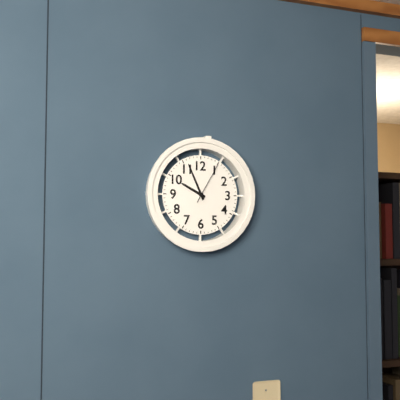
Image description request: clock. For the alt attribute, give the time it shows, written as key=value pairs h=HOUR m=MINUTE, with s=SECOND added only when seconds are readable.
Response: h=9 m=56
